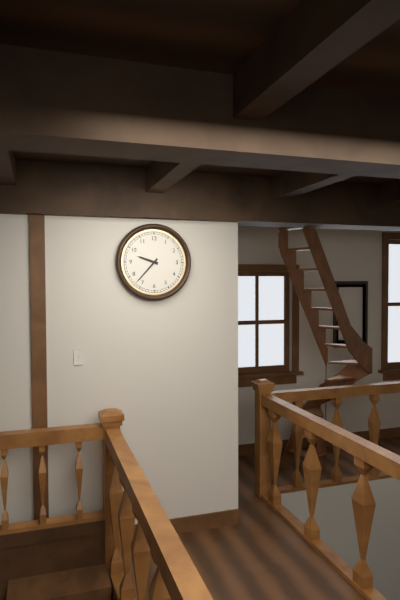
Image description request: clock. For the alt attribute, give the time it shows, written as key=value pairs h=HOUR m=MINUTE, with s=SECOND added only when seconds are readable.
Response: h=9 m=37
